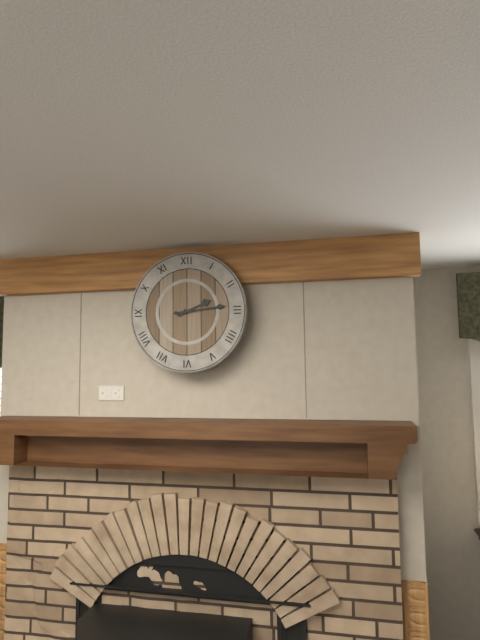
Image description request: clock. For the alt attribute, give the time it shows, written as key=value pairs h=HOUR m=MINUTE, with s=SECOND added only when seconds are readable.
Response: h=2 m=14
